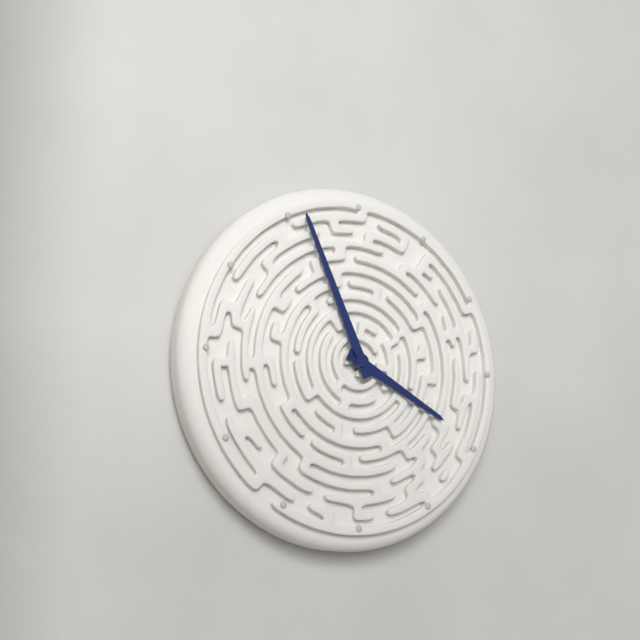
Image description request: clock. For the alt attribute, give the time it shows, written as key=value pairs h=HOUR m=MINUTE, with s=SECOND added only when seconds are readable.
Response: h=3 m=56
